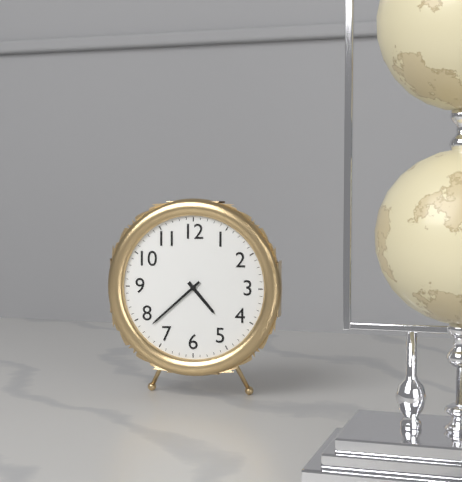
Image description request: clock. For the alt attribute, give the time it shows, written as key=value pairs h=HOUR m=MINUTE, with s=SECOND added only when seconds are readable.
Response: h=4 m=38
